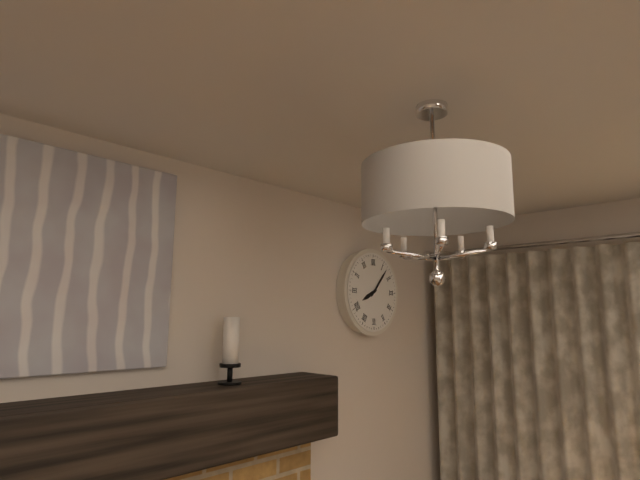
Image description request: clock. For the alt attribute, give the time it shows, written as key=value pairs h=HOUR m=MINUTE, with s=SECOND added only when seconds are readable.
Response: h=8 m=7
